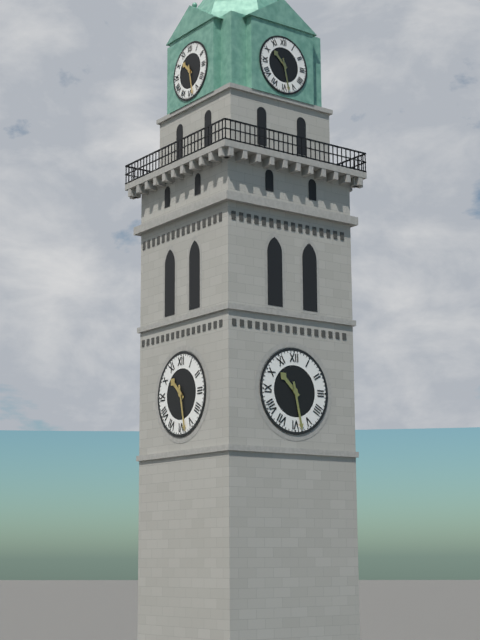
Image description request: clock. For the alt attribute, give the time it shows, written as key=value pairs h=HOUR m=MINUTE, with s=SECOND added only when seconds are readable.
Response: h=10 m=28
